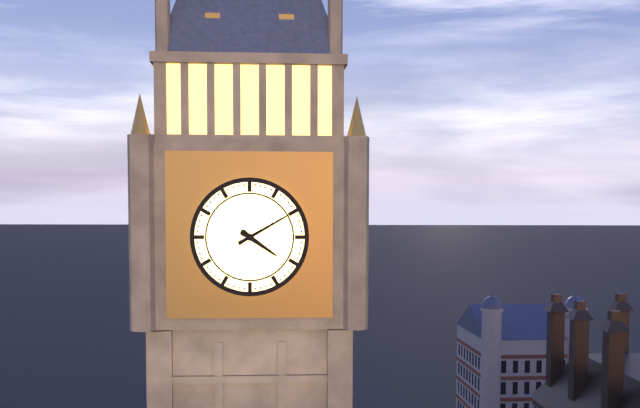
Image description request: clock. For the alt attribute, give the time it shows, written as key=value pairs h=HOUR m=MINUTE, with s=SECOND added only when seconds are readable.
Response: h=4 m=10
